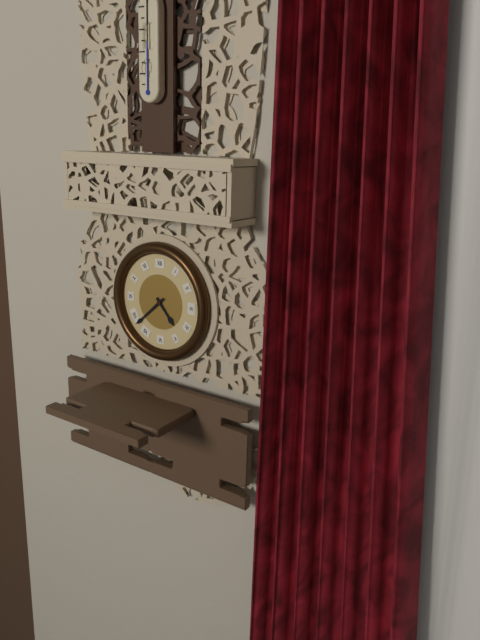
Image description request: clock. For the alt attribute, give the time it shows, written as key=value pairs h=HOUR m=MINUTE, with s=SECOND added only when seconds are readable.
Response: h=4 m=38
